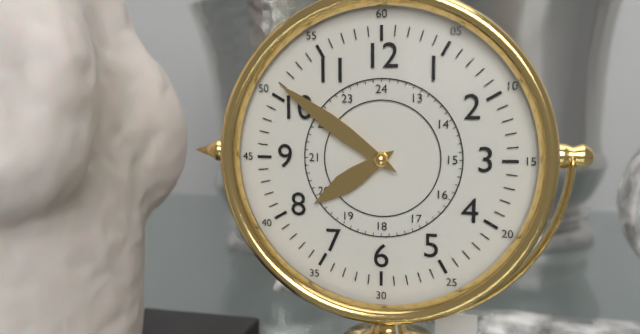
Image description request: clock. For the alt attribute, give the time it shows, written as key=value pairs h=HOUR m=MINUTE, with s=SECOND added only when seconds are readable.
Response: h=7 m=51
